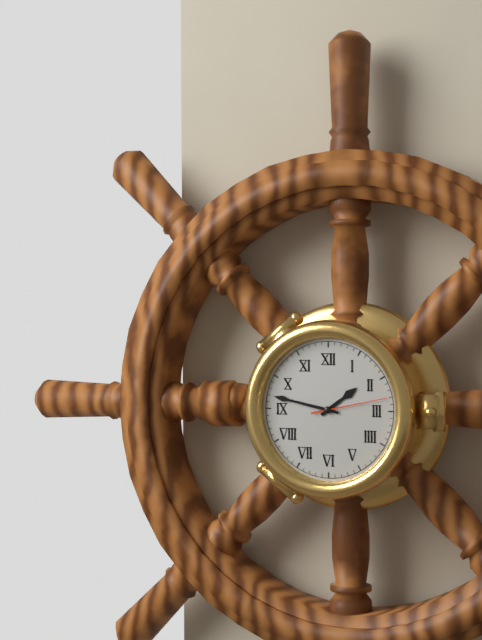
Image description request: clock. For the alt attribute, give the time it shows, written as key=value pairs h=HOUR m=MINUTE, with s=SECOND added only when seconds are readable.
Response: h=1 m=47 s=13
